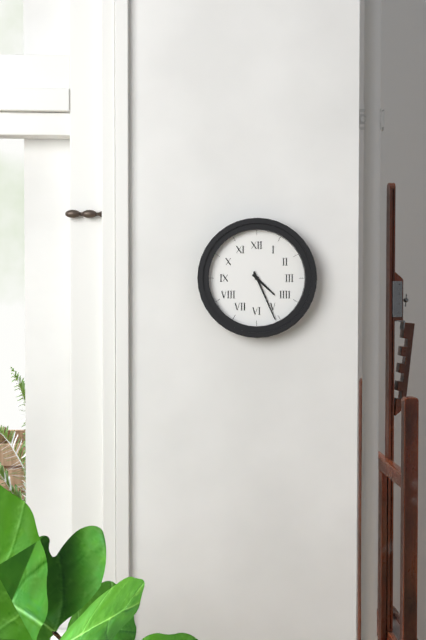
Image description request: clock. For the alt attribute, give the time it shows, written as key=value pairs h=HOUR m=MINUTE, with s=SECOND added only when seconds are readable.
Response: h=4 m=26
